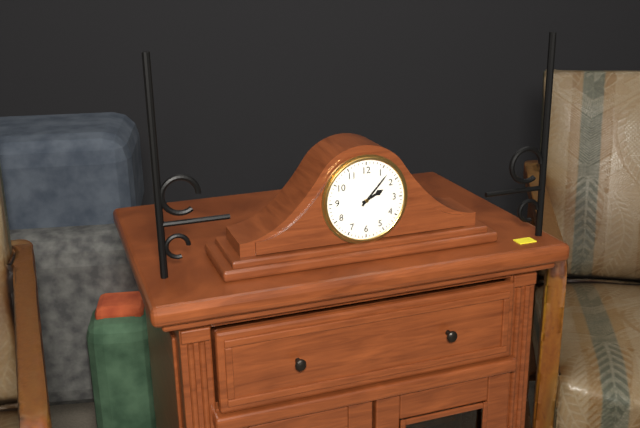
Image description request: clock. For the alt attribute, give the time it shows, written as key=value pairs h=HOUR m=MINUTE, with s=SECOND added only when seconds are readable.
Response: h=2 m=7
